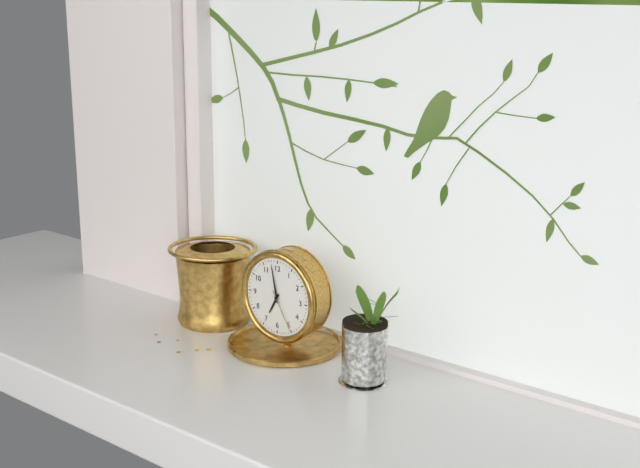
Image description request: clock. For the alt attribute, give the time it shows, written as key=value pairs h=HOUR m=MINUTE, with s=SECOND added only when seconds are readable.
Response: h=6 m=58
